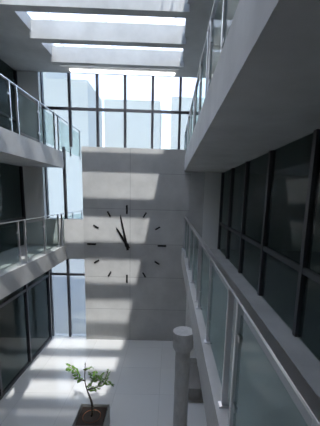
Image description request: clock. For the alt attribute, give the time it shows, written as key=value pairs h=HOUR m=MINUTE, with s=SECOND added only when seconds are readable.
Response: h=10 m=58
